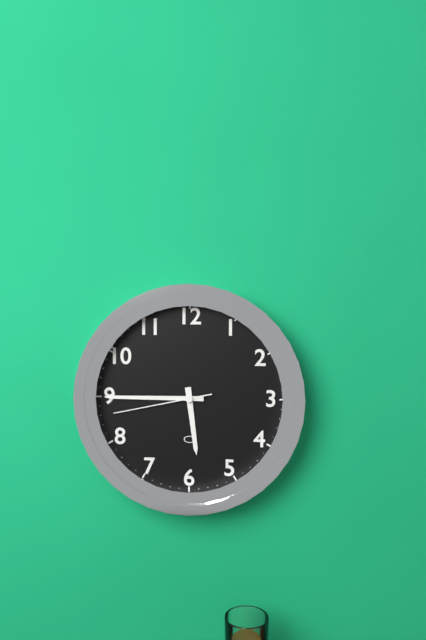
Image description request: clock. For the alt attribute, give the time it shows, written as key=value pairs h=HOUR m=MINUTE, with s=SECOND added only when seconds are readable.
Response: h=5 m=45 s=43
